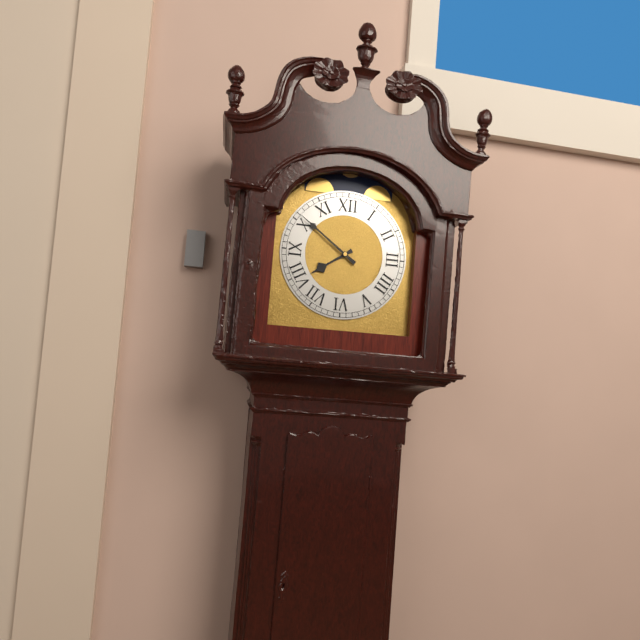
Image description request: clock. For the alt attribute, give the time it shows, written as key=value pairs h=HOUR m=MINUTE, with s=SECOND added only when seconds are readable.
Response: h=7 m=51
